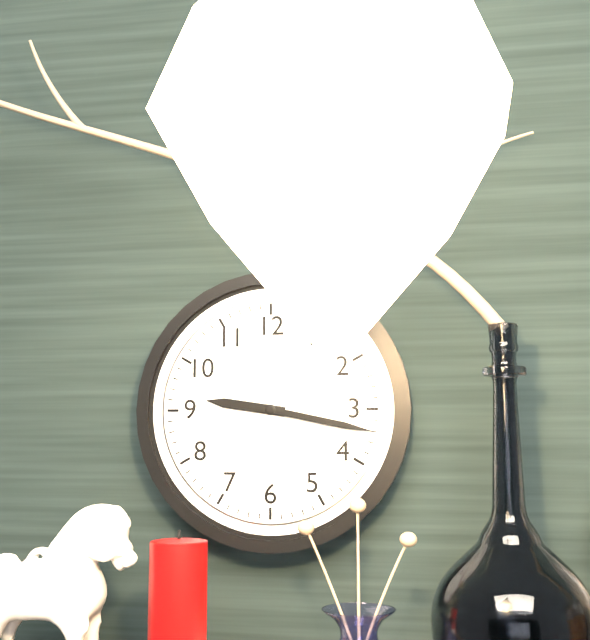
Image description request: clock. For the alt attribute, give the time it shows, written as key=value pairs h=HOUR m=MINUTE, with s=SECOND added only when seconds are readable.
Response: h=9 m=17
